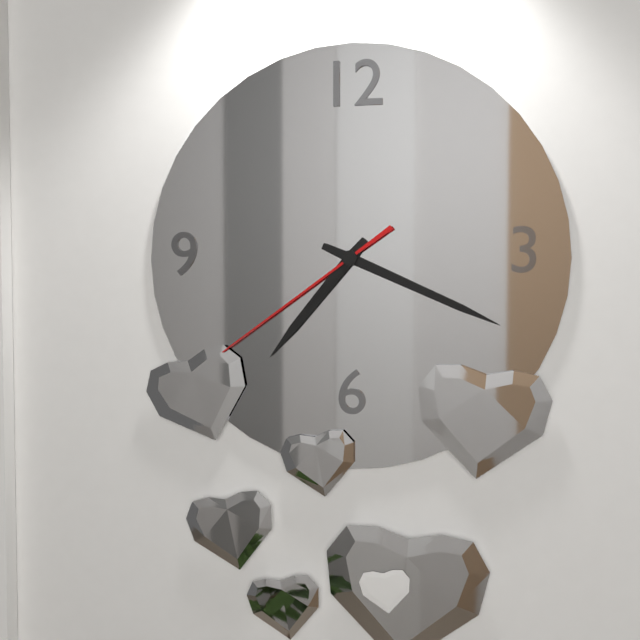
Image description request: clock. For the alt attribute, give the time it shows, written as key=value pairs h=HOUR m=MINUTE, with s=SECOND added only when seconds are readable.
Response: h=7 m=19 s=39
